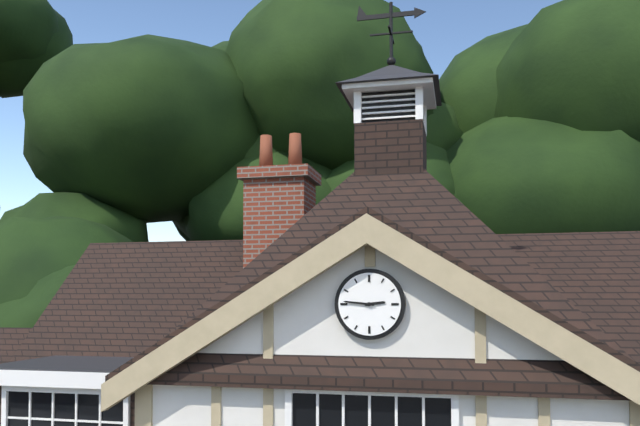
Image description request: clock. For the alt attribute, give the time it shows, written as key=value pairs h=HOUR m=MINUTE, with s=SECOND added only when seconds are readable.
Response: h=2 m=46
